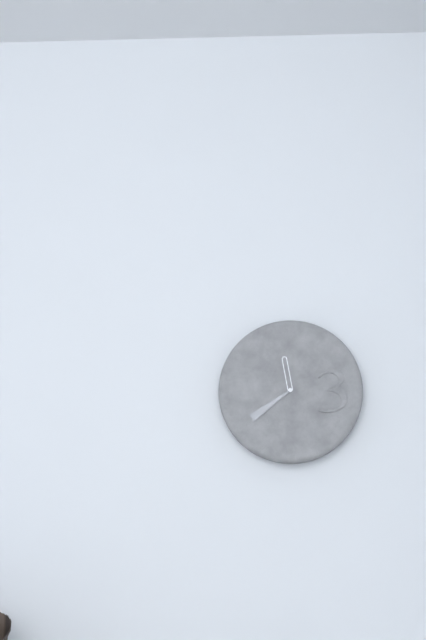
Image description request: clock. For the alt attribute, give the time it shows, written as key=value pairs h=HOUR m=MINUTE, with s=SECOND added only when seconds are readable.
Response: h=11 m=39
